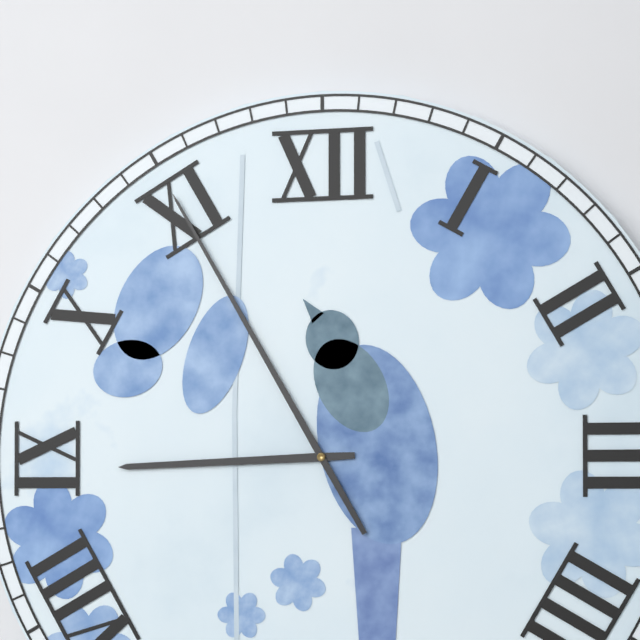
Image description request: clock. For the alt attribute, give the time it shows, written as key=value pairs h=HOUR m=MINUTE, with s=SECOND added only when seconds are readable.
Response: h=8 m=55
